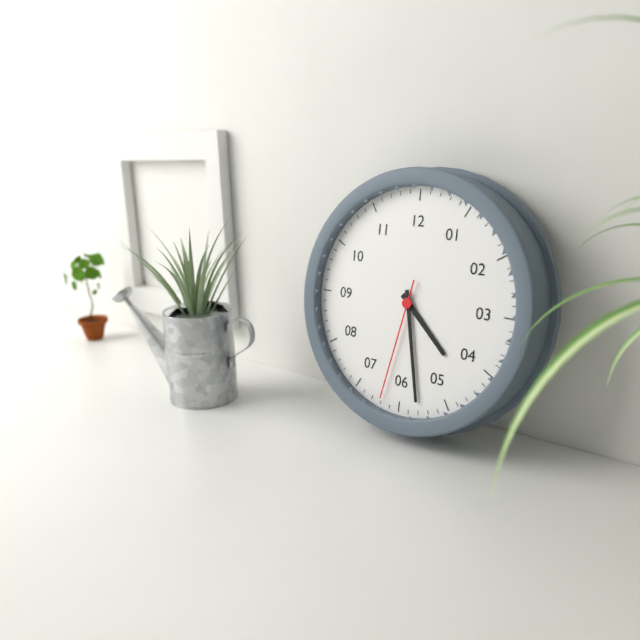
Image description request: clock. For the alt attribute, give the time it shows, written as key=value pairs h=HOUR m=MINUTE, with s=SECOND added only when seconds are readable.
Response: h=4 m=28 s=32
